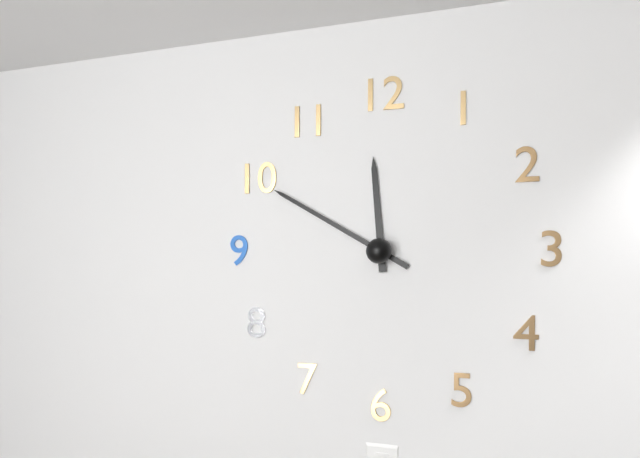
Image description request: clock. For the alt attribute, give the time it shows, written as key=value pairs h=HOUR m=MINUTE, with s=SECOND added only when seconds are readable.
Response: h=11 m=50
